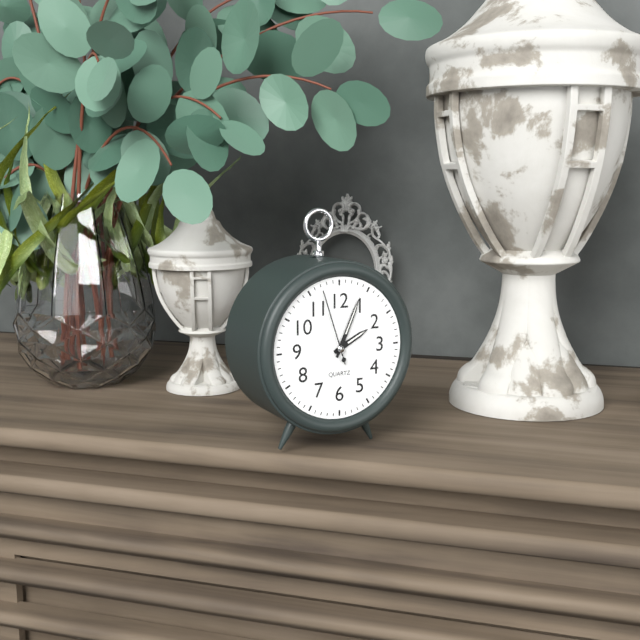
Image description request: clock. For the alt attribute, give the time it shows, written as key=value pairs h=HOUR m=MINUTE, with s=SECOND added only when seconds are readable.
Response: h=2 m=4 s=57
